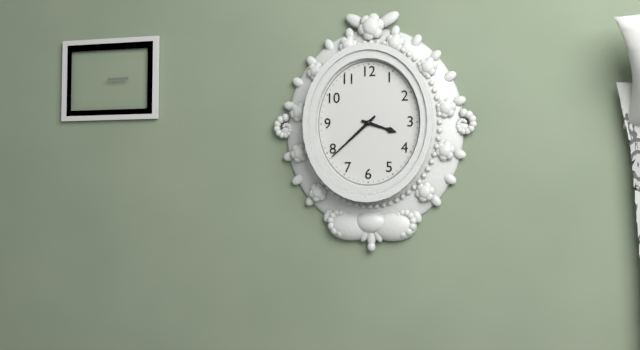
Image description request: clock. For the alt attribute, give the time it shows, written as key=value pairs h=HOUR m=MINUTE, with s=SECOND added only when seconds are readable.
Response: h=3 m=38
